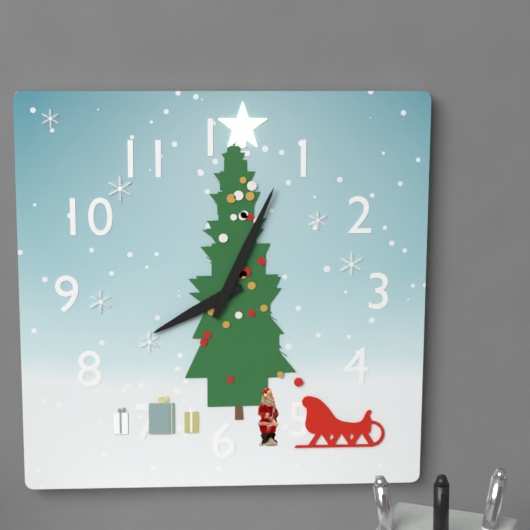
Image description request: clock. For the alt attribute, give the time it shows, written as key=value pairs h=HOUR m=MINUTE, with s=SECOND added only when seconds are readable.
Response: h=8 m=4
